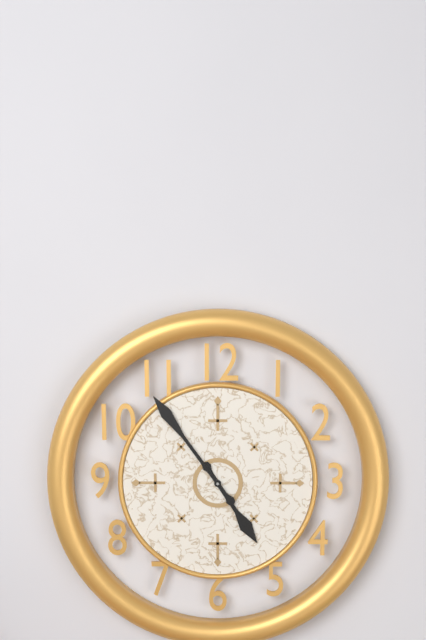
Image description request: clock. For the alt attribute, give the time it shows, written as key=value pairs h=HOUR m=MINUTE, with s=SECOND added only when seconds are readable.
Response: h=4 m=54
